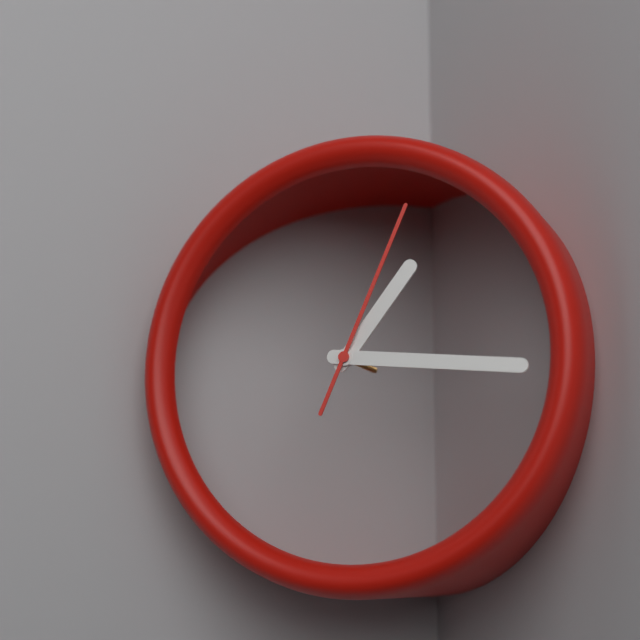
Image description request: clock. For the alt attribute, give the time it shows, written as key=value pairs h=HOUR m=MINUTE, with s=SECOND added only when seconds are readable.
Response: h=1 m=16 s=4
